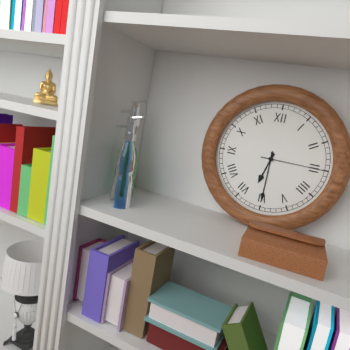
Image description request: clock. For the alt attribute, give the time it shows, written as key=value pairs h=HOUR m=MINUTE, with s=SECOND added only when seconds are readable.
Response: h=6 m=30 s=15
